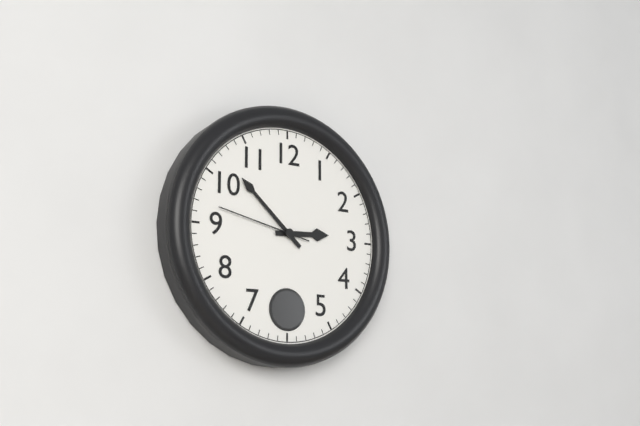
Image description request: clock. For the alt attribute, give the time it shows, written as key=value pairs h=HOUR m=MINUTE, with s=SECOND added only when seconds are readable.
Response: h=2 m=52 s=47
